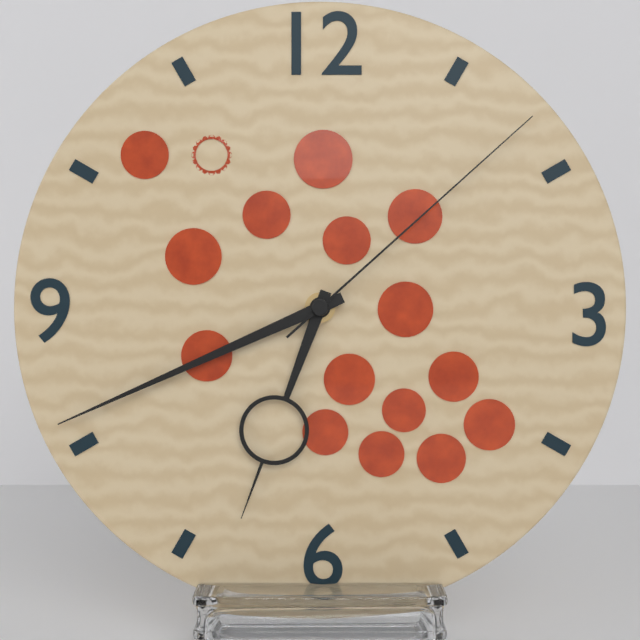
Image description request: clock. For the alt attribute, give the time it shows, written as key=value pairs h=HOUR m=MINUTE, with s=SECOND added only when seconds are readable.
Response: h=6 m=41 s=8
